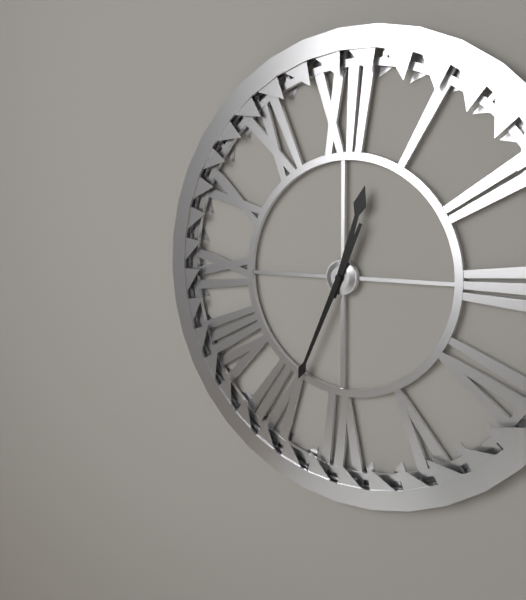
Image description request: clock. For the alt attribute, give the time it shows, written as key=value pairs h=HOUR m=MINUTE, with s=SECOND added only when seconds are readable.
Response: h=12 m=34
